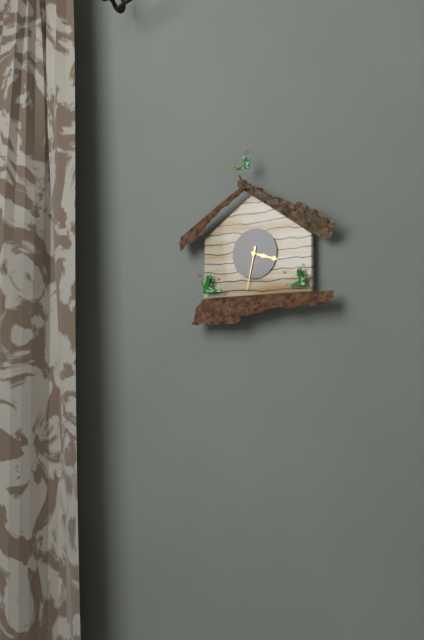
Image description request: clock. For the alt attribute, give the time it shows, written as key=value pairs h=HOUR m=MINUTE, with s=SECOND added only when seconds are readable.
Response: h=3 m=32
